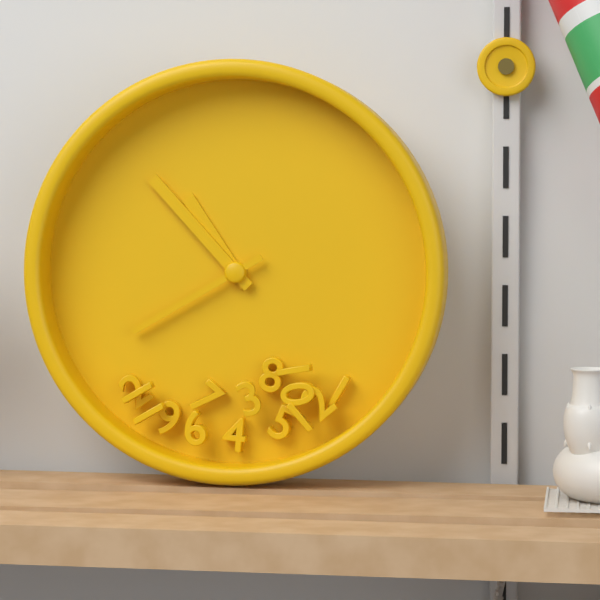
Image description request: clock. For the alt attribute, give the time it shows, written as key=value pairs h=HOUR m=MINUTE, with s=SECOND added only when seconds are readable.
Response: h=10 m=53 s=40
